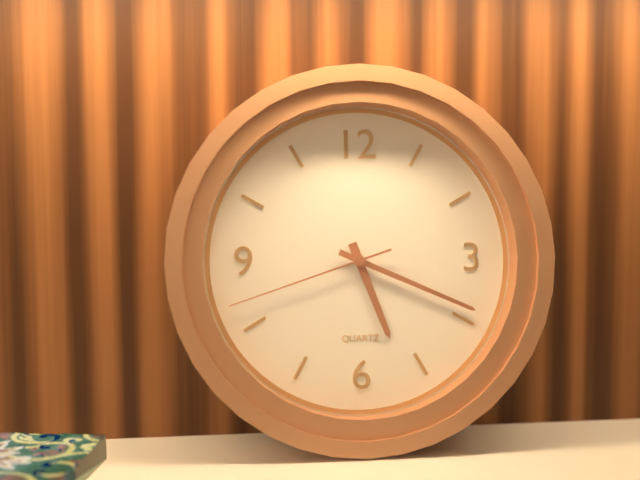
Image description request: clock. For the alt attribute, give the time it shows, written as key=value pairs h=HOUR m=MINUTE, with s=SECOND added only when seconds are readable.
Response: h=5 m=19 s=42
